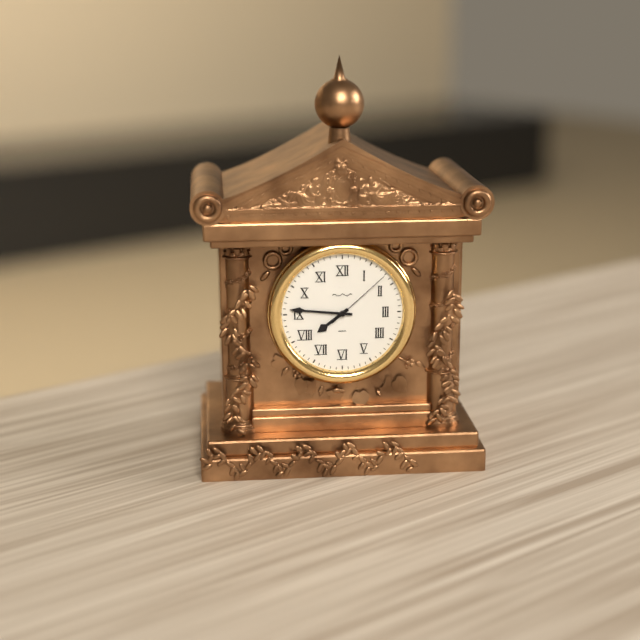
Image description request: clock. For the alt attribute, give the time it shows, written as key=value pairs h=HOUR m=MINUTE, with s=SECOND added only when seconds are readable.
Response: h=7 m=46 s=8
